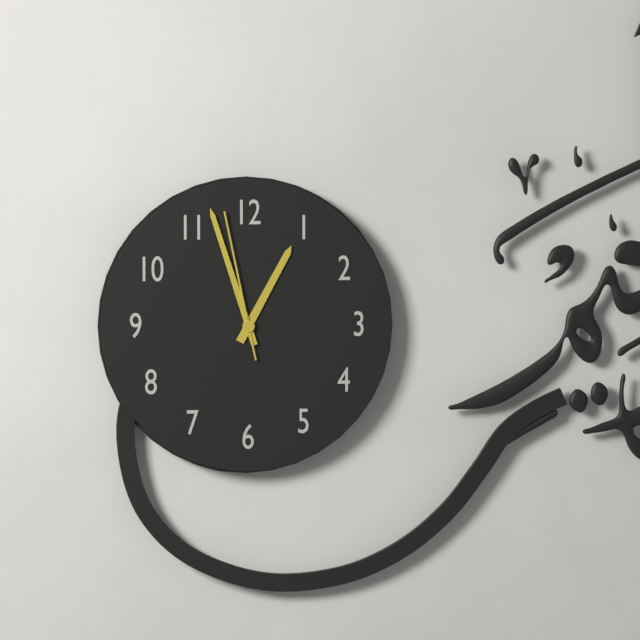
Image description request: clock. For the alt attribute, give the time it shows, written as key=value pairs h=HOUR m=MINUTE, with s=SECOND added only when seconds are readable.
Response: h=12 m=57 s=58
